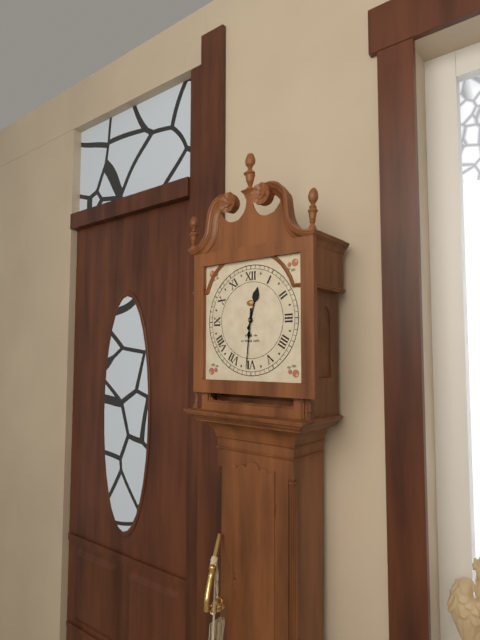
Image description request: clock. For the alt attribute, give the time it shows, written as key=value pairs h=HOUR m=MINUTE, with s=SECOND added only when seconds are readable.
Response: h=12 m=31
